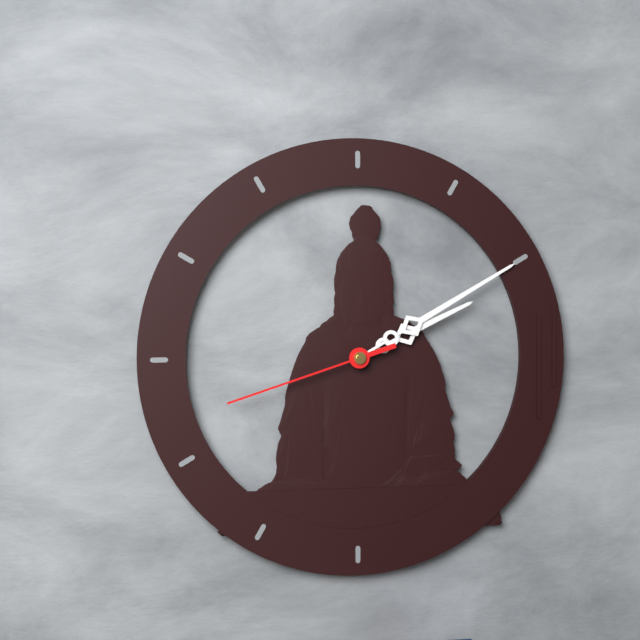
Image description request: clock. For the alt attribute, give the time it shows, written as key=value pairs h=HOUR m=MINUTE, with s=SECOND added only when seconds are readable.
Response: h=2 m=10 s=42
